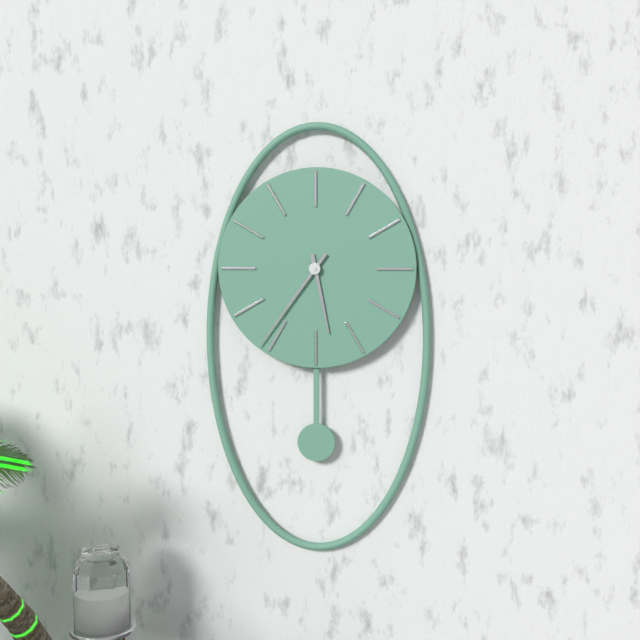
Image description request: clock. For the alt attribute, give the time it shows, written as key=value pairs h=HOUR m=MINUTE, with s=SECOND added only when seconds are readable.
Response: h=5 m=36
